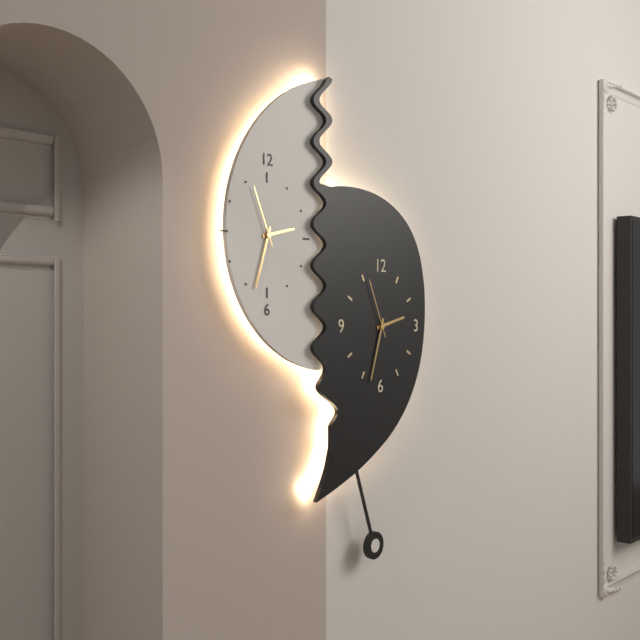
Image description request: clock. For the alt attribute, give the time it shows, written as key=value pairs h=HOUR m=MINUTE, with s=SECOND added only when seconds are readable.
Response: h=2 m=33 s=56
